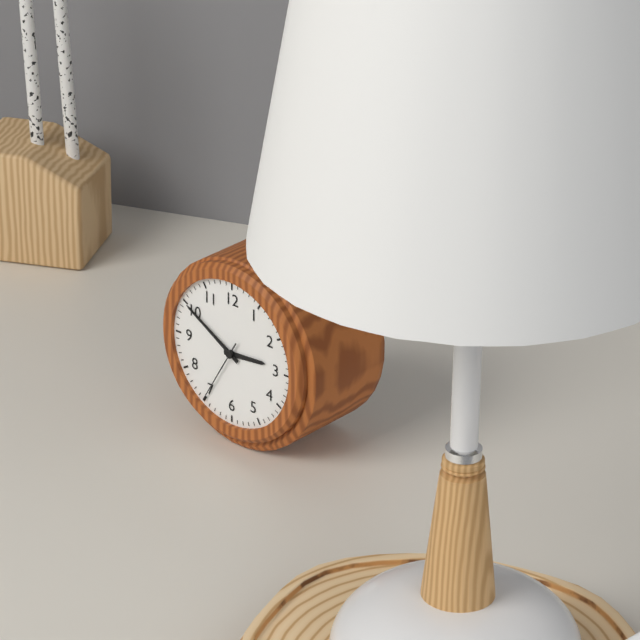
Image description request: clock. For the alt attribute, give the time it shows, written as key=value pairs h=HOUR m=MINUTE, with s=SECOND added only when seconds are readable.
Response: h=2 m=50 s=35
